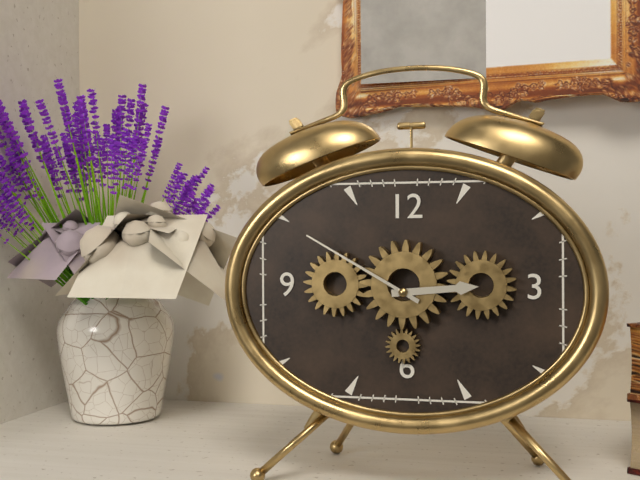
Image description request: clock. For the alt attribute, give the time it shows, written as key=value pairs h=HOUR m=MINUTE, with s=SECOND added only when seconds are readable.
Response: h=2 m=50
